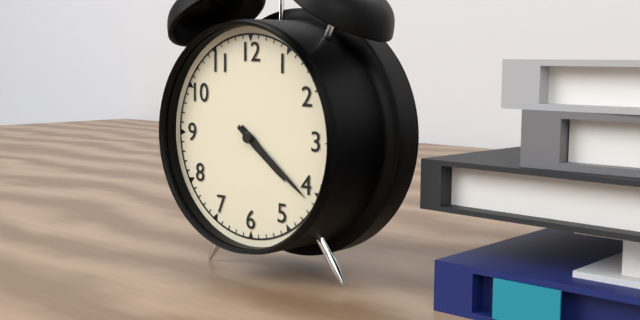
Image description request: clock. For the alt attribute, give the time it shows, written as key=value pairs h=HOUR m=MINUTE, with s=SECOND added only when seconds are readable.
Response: h=4 m=21
